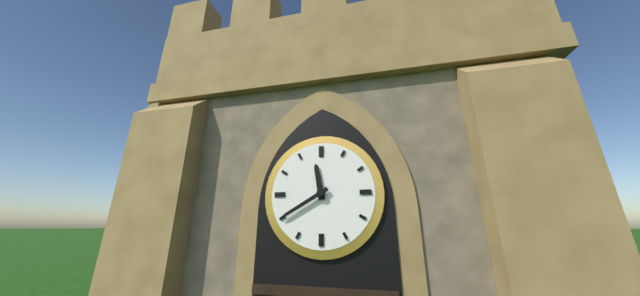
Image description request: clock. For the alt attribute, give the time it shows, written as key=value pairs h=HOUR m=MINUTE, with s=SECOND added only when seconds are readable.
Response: h=11 m=40
